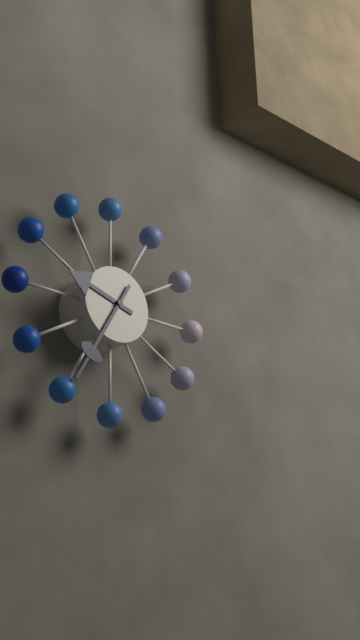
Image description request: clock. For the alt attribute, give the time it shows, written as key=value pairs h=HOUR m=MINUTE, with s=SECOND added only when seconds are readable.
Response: h=9 m=35
